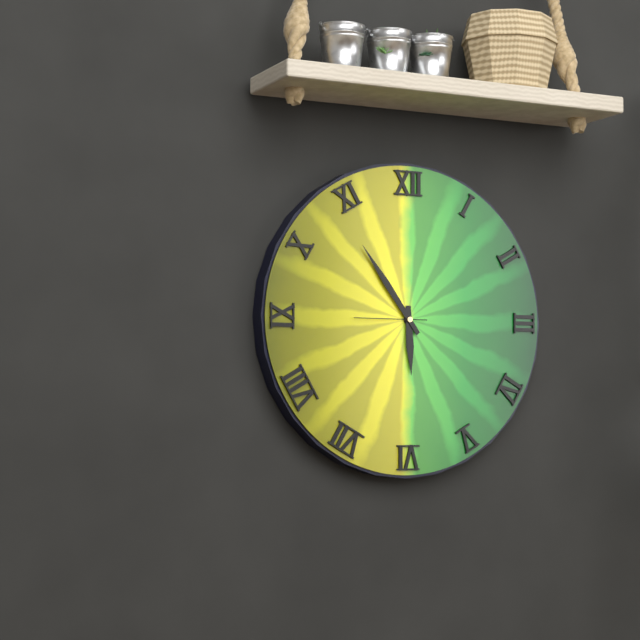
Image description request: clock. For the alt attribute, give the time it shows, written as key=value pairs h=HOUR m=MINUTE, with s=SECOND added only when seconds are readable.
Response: h=5 m=54 s=45
